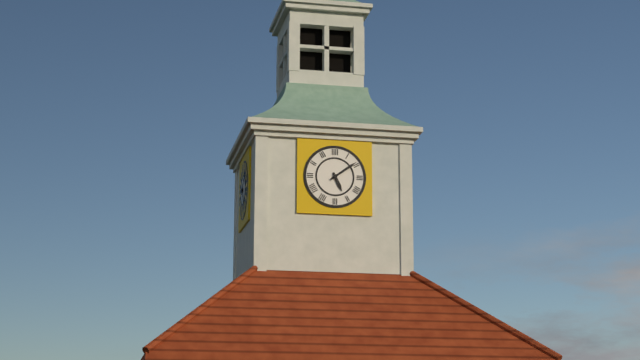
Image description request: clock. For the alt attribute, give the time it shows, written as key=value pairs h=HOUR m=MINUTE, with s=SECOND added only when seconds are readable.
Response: h=5 m=9
